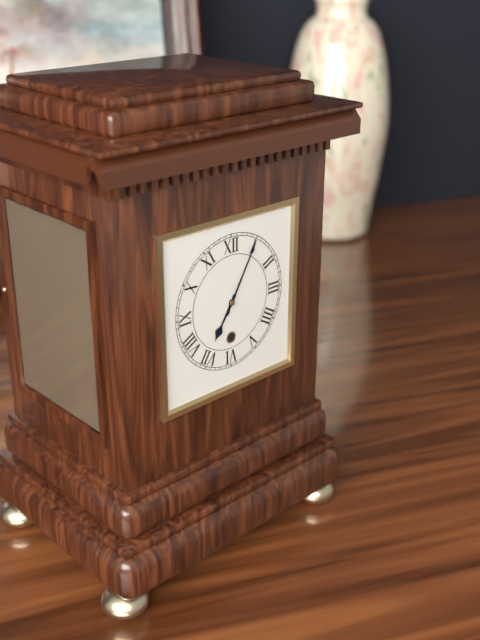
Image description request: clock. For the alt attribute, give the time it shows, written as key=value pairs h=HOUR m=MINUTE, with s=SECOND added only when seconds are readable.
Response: h=7 m=5
